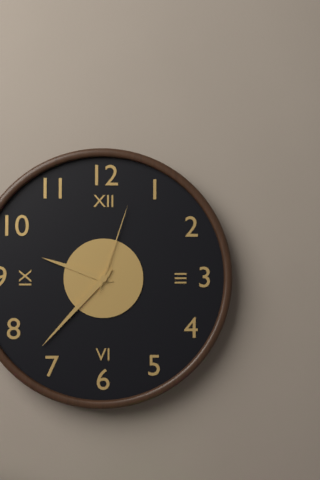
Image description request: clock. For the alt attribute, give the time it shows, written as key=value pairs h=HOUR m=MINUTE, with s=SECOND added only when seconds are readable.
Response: h=9 m=37 s=3
